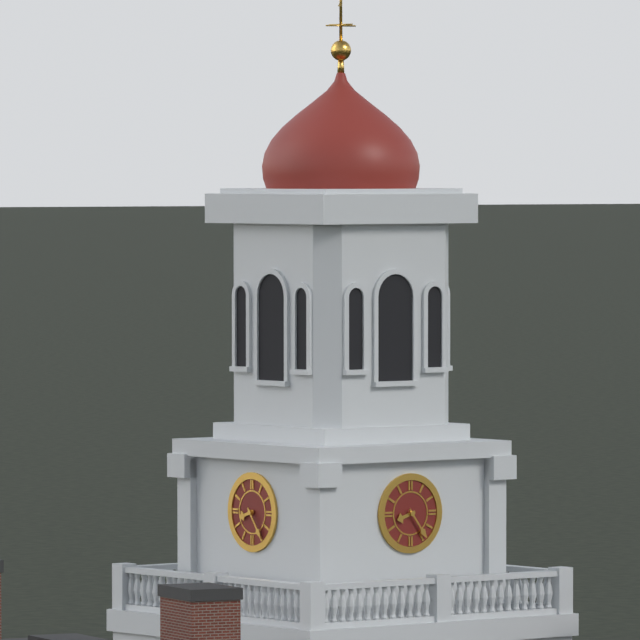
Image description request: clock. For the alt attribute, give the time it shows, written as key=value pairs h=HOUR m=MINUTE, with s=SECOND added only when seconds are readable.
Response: h=8 m=24
